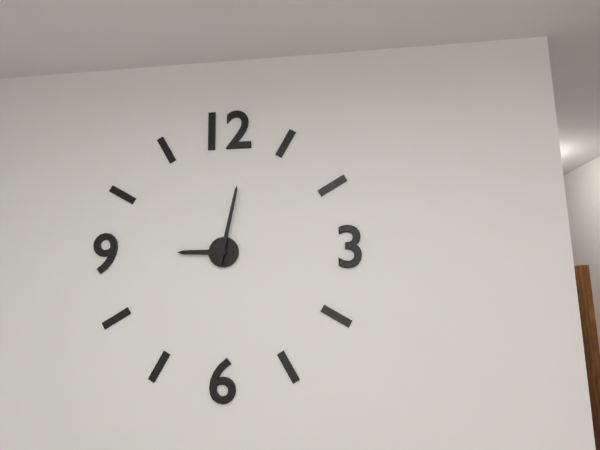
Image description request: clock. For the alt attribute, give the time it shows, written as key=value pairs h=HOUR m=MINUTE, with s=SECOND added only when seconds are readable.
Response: h=9 m=2
